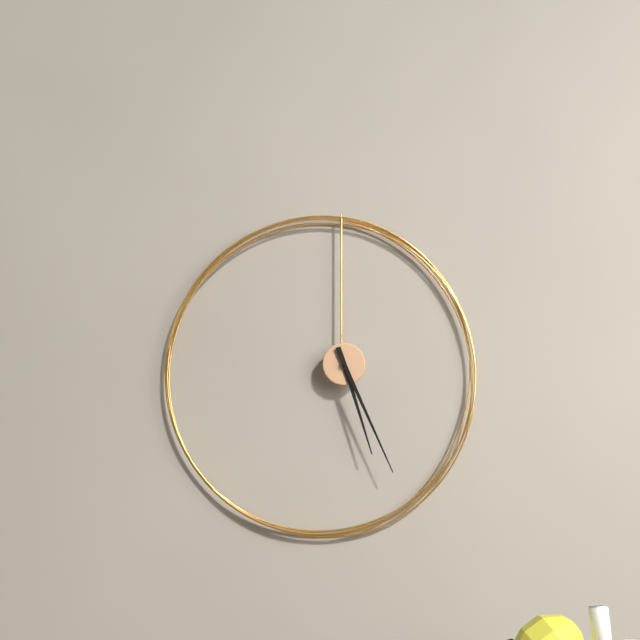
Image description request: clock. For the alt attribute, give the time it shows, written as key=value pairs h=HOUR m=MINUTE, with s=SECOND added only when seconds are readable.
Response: h=5 m=26
